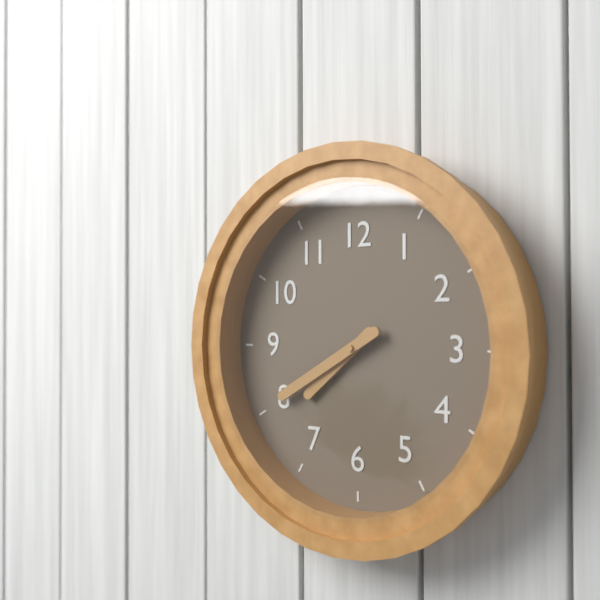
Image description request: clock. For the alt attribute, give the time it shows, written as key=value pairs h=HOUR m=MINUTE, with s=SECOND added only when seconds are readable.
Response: h=7 m=40
